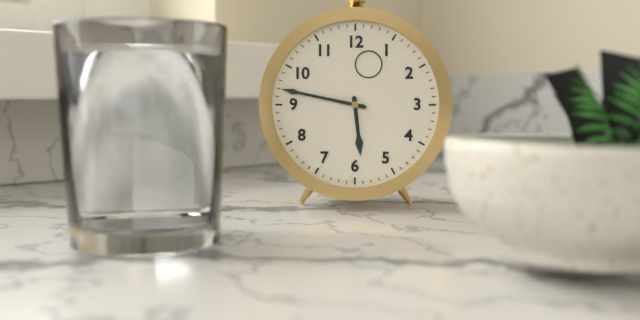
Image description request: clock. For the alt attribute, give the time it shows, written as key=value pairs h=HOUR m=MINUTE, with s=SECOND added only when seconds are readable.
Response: h=5 m=47
